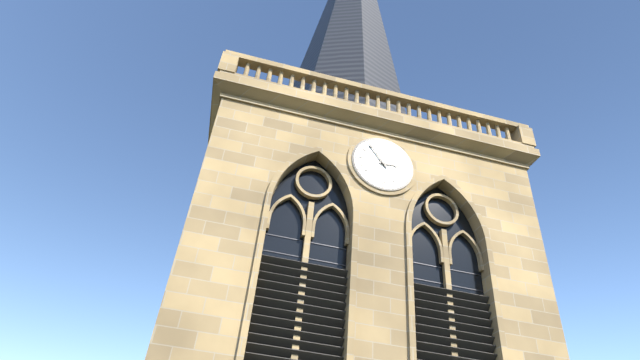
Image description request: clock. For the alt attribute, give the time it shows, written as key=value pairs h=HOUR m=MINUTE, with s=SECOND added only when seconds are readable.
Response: h=2 m=54
